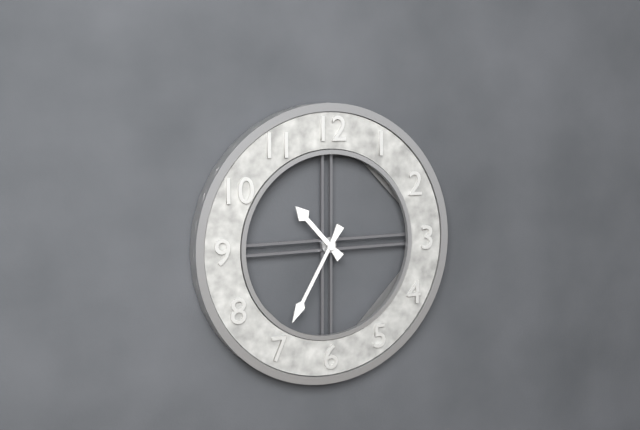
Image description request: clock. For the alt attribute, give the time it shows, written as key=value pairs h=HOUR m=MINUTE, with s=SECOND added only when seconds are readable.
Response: h=10 m=35
